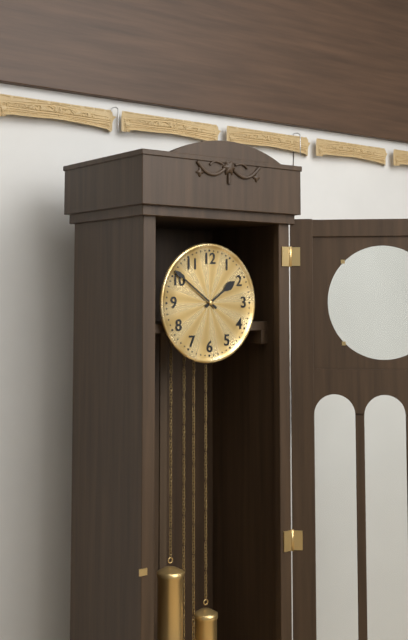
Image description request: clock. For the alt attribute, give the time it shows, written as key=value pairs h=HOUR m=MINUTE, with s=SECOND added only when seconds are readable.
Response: h=1 m=51
